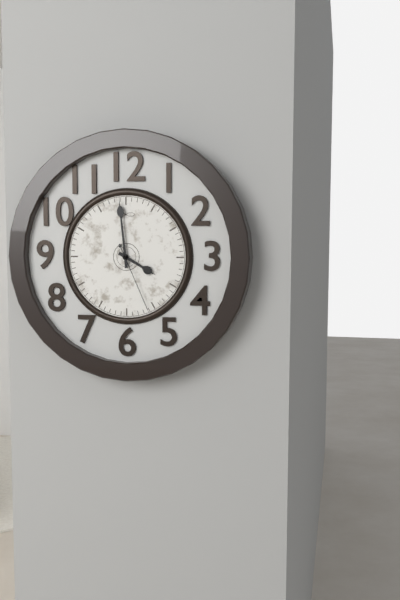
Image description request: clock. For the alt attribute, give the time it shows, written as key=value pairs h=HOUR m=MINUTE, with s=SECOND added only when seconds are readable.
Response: h=3 m=59 s=26
